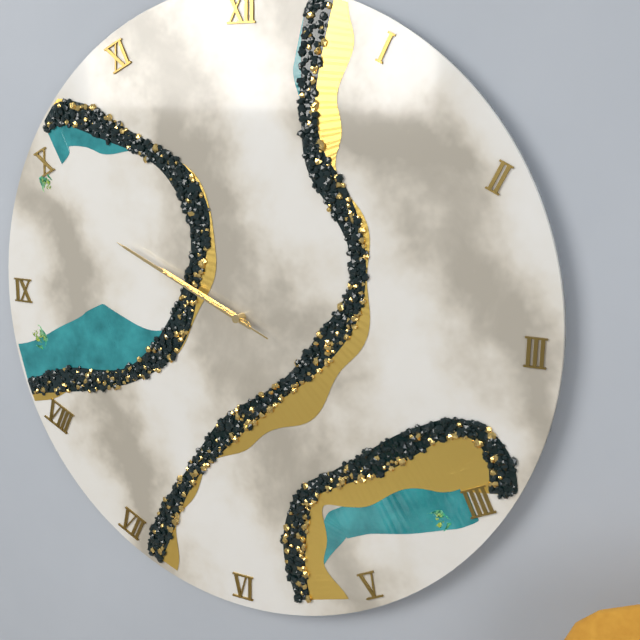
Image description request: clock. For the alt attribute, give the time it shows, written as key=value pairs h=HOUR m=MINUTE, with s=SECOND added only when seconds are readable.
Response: h=9 m=49 s=49
